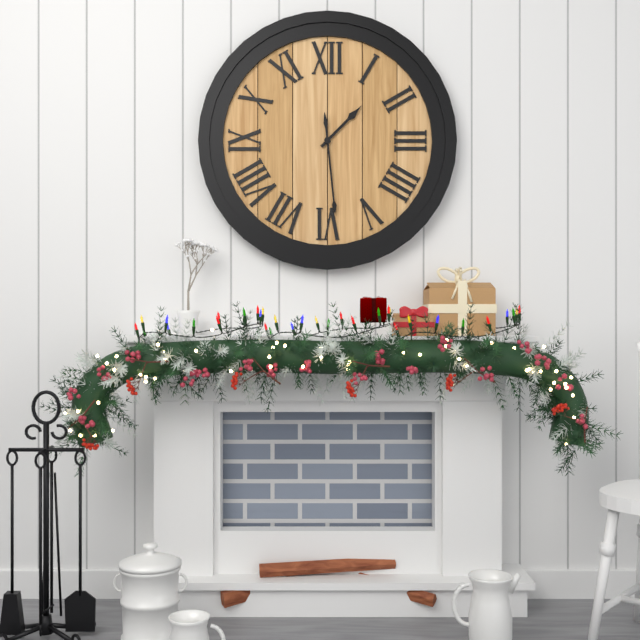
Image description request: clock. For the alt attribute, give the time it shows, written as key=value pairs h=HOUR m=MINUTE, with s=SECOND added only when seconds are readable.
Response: h=1 m=29
